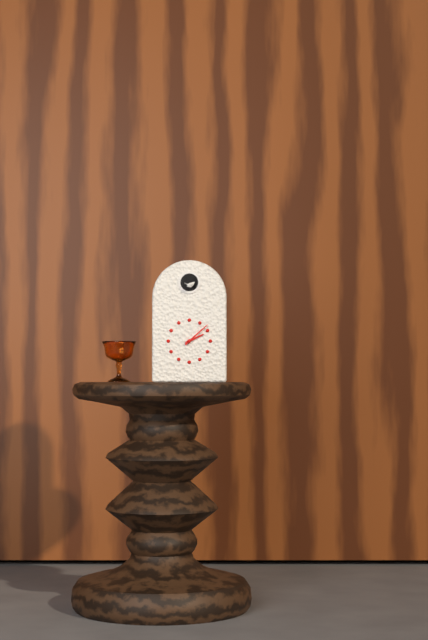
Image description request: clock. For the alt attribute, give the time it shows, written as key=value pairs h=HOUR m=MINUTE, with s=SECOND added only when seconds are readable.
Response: h=2 m=8
